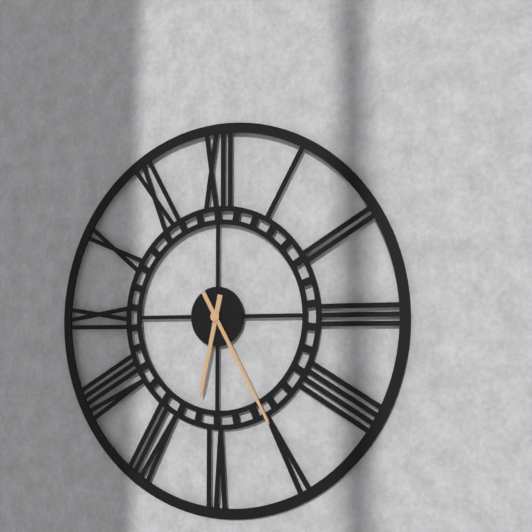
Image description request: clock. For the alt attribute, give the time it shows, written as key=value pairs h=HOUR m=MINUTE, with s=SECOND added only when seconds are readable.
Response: h=6 m=25
